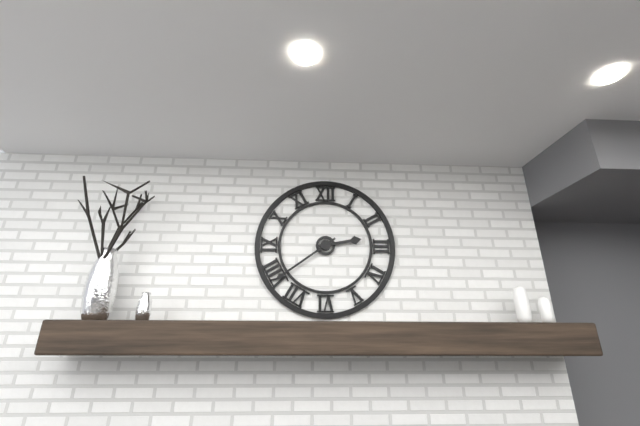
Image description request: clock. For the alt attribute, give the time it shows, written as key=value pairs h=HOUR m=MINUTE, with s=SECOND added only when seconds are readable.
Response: h=2 m=39
